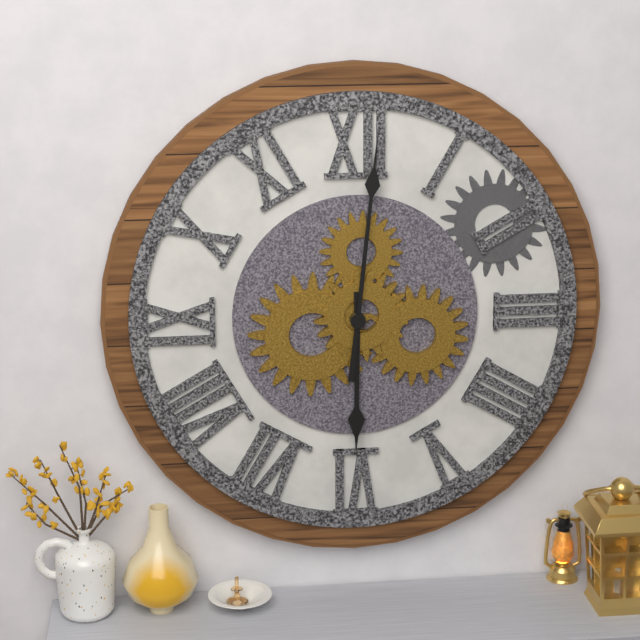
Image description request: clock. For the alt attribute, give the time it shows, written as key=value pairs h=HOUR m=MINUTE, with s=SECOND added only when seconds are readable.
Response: h=6 m=1
